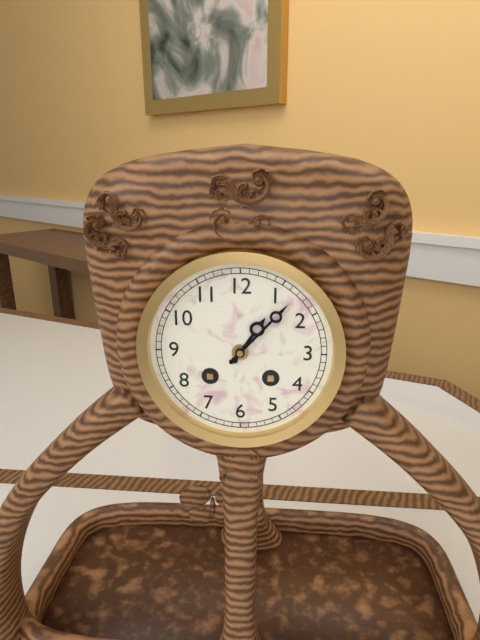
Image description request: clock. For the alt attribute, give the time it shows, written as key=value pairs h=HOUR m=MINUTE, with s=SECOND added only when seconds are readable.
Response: h=1 m=7
